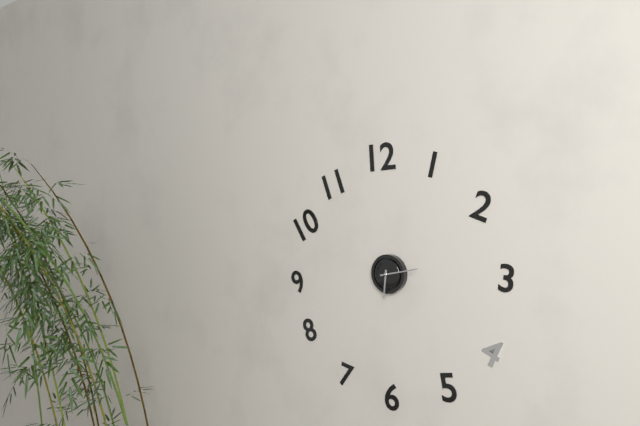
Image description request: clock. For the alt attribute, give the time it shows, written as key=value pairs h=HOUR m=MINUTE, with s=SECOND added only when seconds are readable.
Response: h=6 m=13
